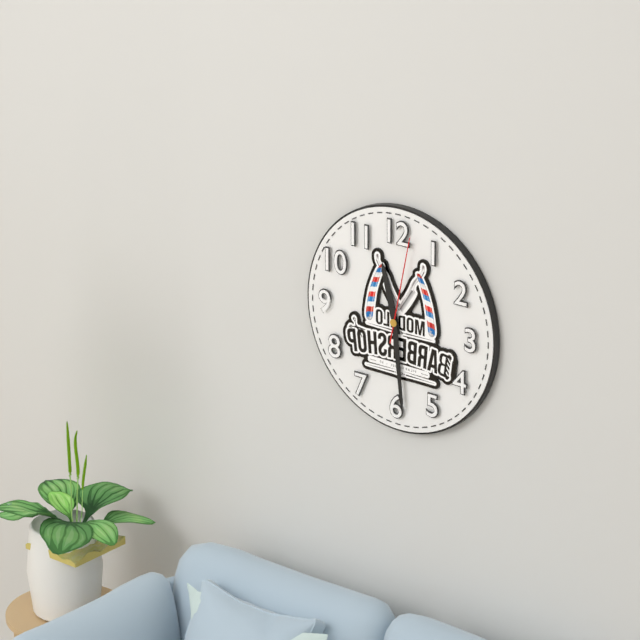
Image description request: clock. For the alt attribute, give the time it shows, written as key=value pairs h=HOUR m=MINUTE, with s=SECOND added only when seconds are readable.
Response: h=11 m=29 s=2
